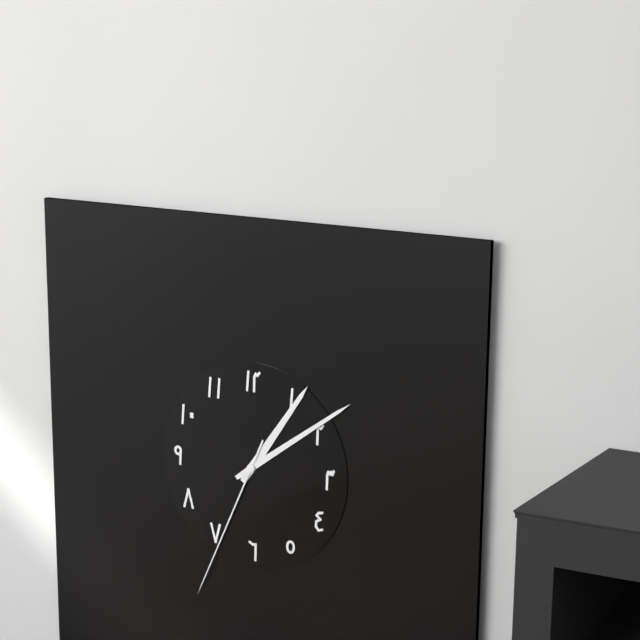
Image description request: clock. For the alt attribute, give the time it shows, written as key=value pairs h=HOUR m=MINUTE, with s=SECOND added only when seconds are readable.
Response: h=1 m=9 s=34
